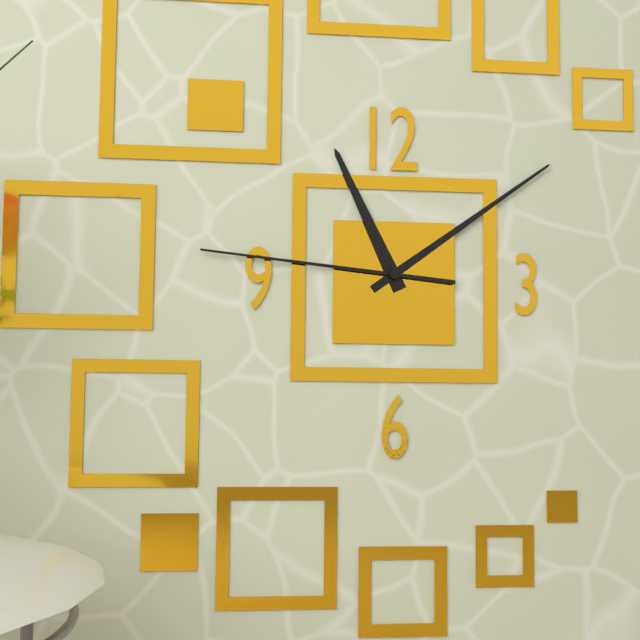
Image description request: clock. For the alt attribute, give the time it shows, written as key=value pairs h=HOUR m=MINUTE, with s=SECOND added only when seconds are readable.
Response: h=11 m=9 s=46
